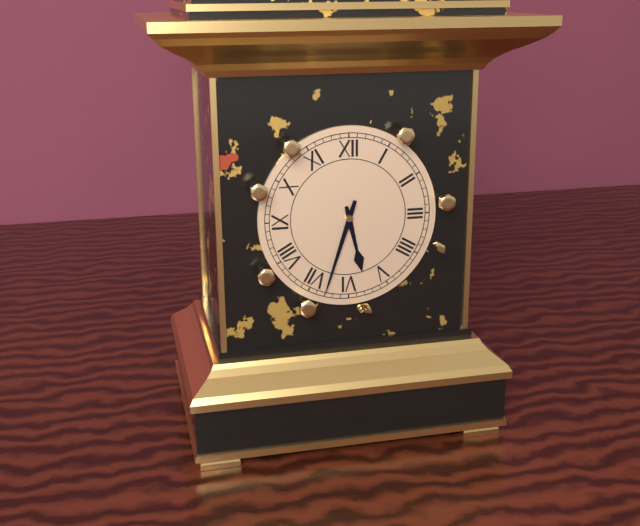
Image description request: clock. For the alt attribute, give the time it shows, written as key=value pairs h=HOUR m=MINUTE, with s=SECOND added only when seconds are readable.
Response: h=5 m=33
